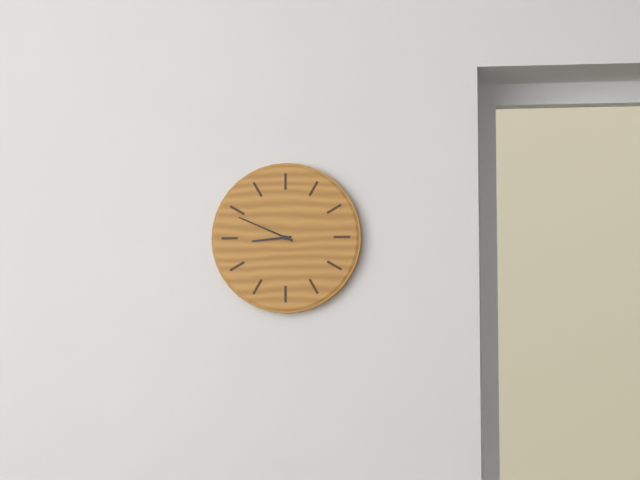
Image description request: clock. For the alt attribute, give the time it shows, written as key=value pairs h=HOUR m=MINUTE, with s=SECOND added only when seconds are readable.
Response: h=8 m=49
